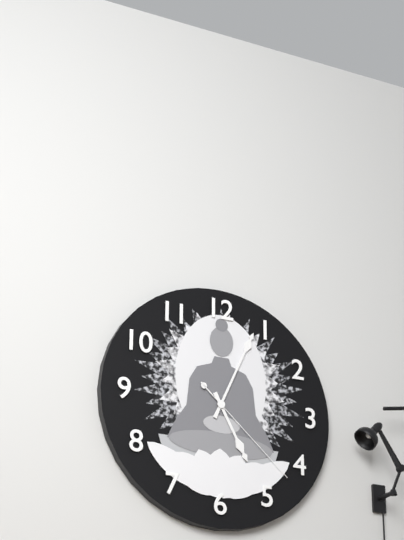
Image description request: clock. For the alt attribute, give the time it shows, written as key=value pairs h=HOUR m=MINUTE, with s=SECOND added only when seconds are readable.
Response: h=5 m=4 s=22
